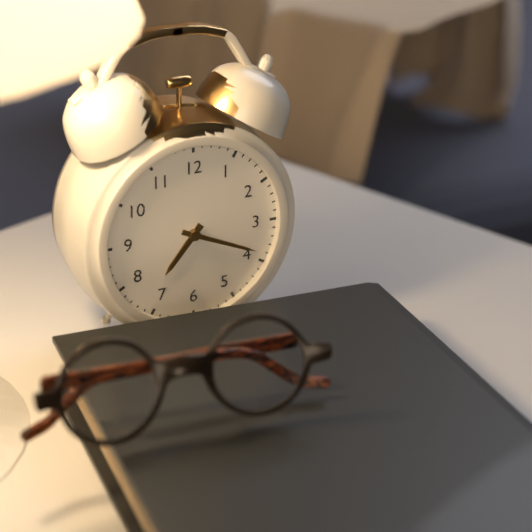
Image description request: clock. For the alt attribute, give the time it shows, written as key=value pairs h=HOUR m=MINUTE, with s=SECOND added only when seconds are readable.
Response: h=7 m=19
